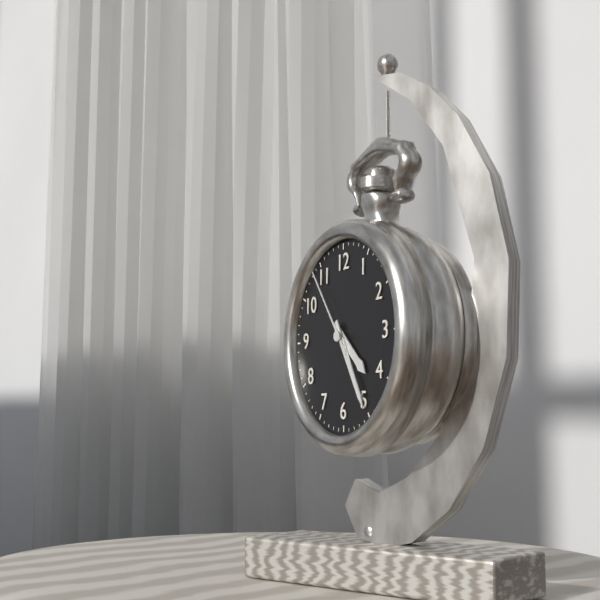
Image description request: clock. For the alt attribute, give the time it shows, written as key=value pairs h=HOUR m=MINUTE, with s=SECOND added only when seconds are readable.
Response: h=4 m=25 s=54
